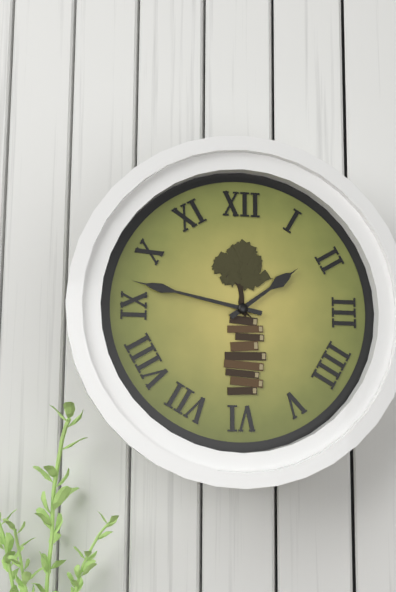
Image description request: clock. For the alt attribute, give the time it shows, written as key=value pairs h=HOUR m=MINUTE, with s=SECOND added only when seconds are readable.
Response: h=1 m=47
